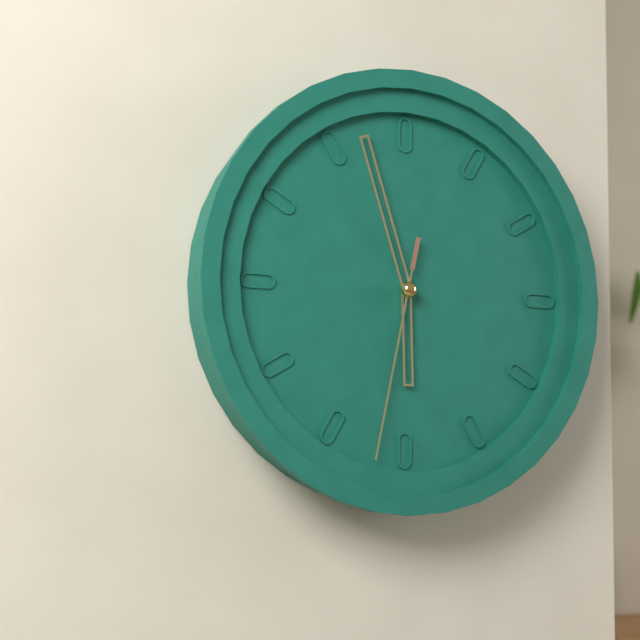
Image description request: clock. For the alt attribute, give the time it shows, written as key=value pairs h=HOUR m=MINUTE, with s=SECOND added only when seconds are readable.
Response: h=5 m=57 s=32
